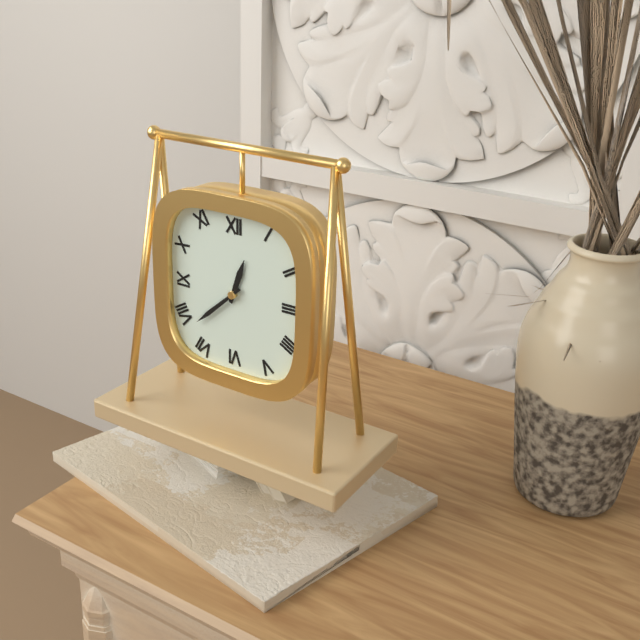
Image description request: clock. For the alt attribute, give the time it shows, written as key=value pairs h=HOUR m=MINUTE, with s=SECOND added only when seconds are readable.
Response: h=12 m=38
